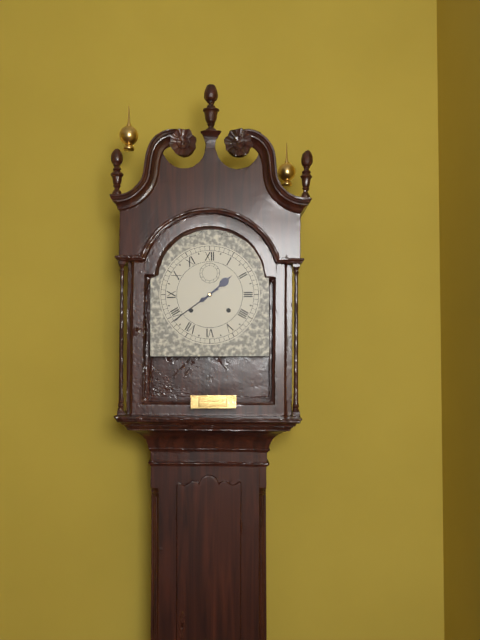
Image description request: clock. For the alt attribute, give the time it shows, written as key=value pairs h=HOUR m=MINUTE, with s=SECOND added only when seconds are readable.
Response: h=1 m=39
